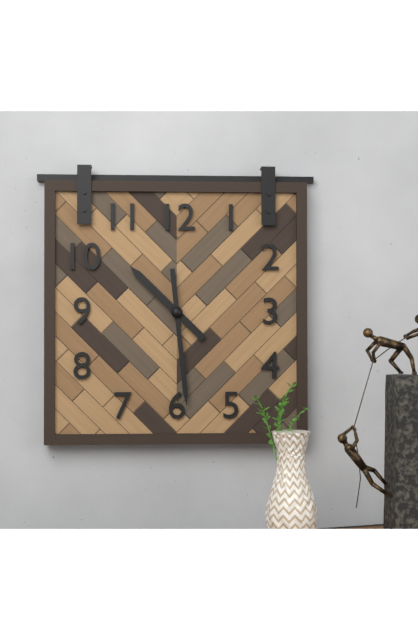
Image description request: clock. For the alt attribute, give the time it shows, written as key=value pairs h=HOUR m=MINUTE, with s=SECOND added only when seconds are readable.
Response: h=10 m=29
